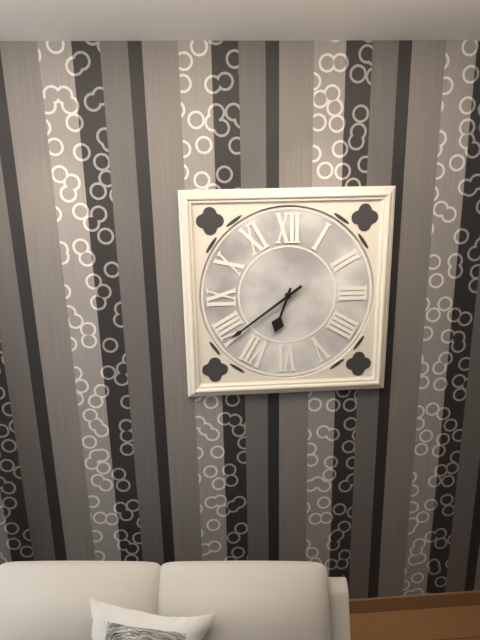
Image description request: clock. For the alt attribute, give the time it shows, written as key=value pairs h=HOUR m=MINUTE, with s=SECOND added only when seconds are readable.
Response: h=6 m=39
